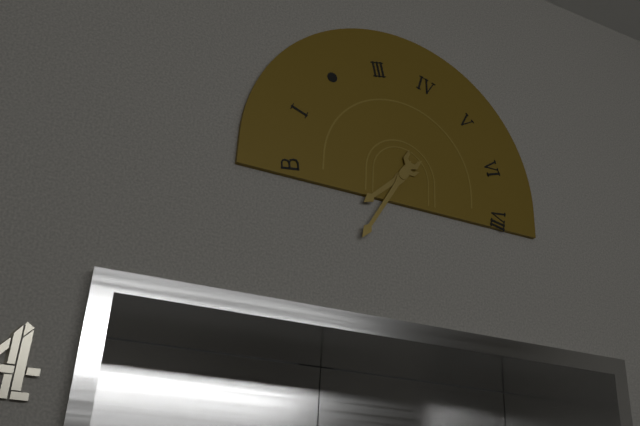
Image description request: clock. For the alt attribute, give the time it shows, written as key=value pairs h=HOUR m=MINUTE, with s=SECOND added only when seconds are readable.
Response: h=7 m=35
